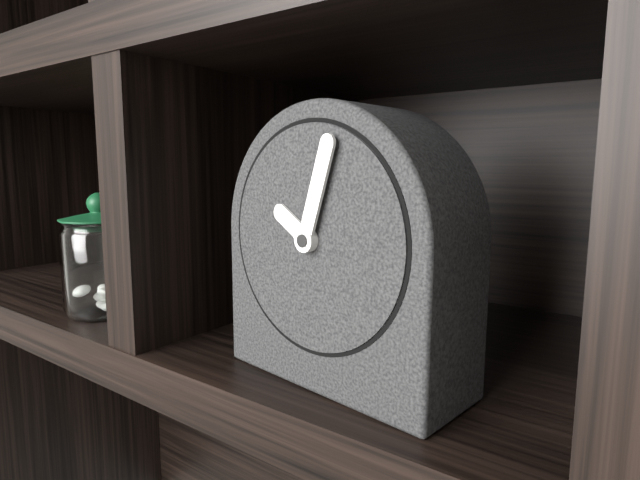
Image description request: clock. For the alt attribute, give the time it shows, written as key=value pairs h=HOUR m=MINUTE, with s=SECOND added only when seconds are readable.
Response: h=10 m=3
